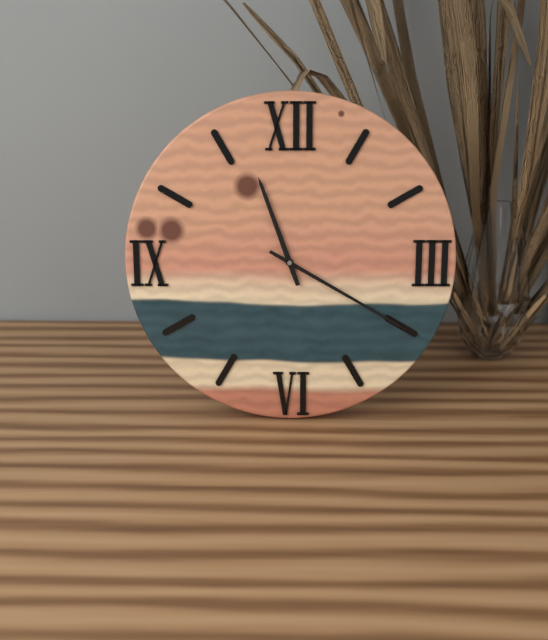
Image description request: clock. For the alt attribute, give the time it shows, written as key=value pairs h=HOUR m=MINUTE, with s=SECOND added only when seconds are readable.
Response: h=11 m=20
